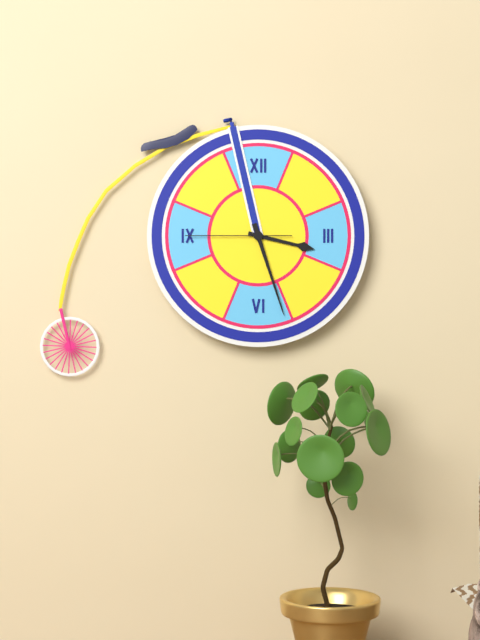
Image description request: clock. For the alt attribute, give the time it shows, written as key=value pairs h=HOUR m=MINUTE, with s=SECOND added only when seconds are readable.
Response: h=3 m=27 s=45
